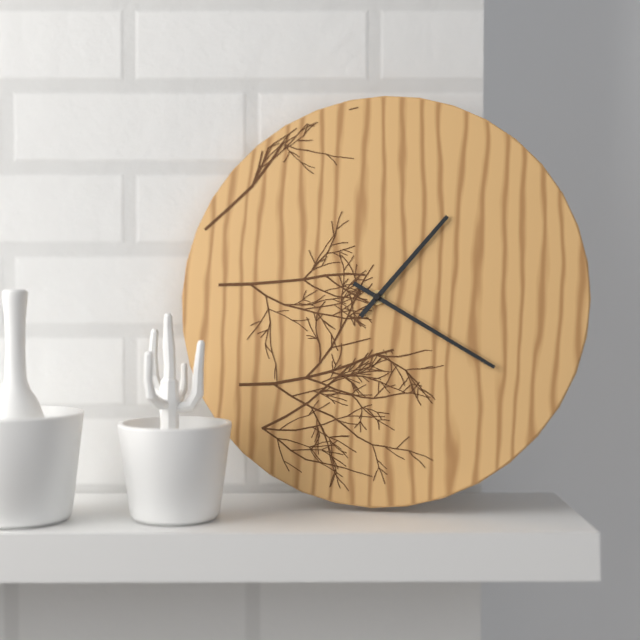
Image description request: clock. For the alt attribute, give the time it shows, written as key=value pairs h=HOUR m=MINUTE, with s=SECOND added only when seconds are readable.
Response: h=1 m=20
